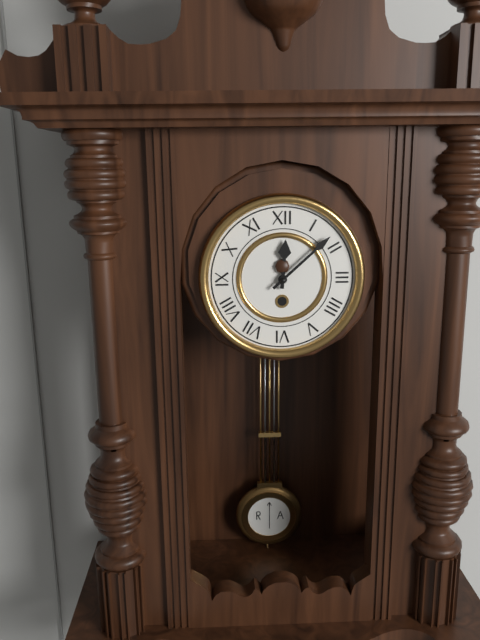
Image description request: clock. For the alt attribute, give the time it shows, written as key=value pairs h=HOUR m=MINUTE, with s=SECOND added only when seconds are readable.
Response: h=12 m=8
